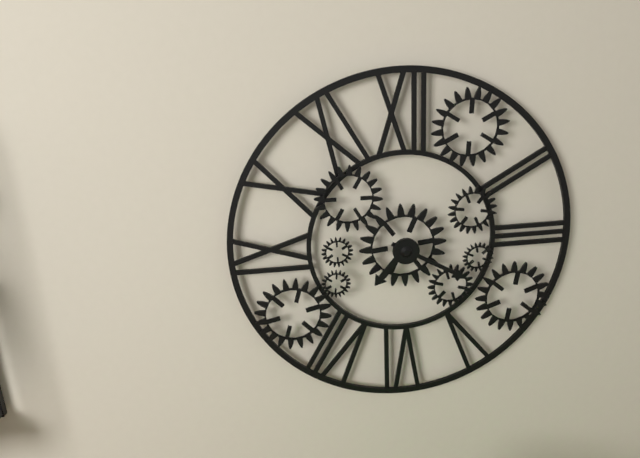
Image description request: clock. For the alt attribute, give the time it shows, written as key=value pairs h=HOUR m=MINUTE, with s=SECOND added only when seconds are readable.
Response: h=7 m=20
